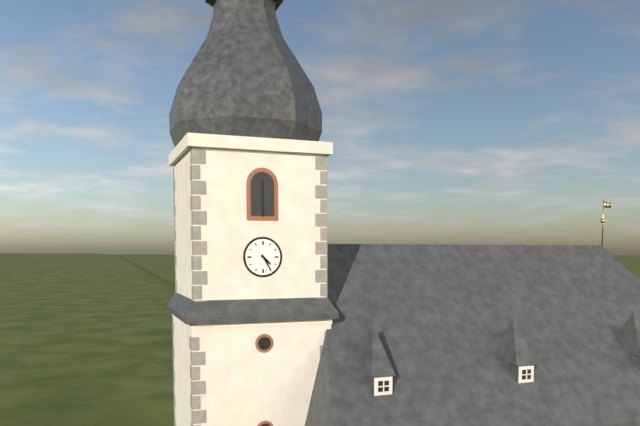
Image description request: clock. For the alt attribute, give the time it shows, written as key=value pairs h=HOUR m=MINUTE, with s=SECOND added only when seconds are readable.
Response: h=4 m=25
